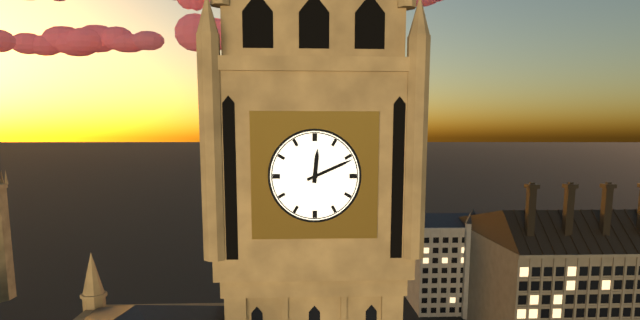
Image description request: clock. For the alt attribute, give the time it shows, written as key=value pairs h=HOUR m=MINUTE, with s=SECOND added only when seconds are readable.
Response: h=12 m=11
